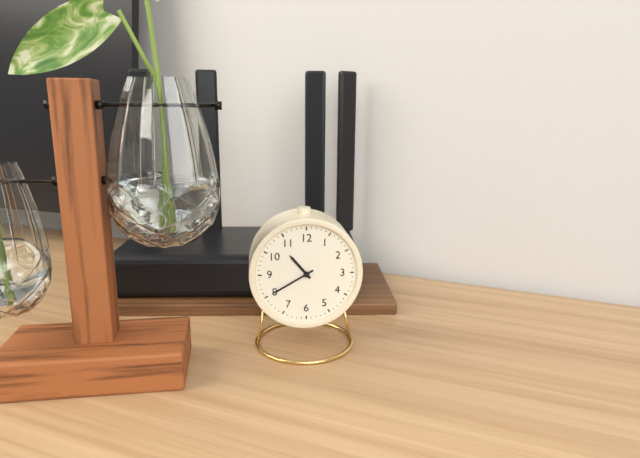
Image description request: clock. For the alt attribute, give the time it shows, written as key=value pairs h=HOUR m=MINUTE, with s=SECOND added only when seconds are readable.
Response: h=10 m=40
